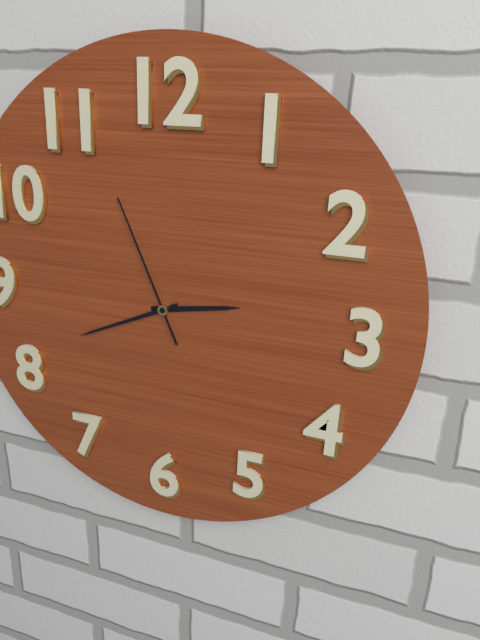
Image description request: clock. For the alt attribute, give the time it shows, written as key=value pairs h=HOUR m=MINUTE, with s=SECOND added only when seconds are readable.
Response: h=2 m=41 s=56
